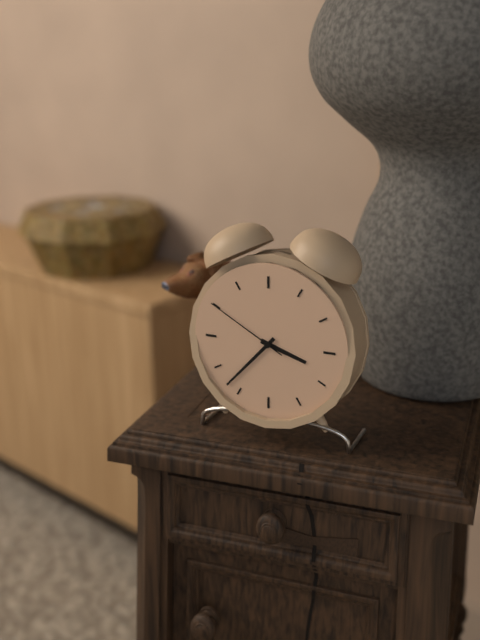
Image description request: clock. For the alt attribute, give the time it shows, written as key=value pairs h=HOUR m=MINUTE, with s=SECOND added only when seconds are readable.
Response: h=3 m=37 s=50
